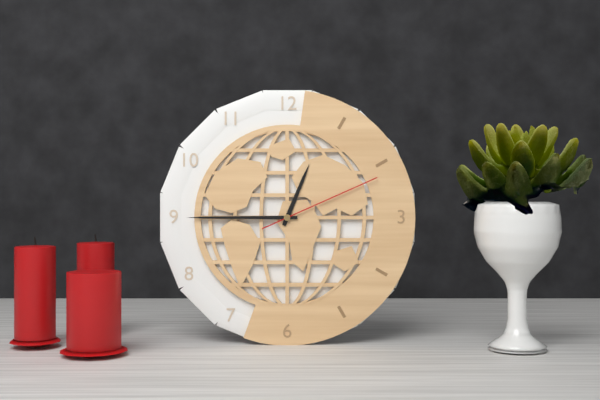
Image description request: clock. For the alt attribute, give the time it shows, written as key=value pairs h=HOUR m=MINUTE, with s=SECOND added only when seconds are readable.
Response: h=12 m=45 s=11
